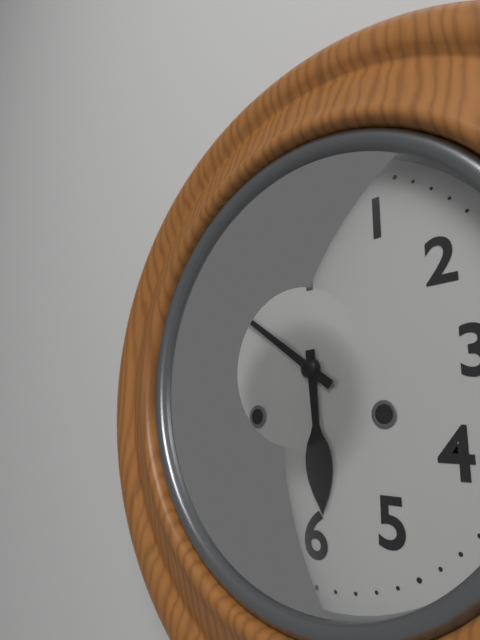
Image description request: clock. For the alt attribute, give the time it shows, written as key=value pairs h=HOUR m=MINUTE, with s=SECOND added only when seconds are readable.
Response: h=5 m=51
